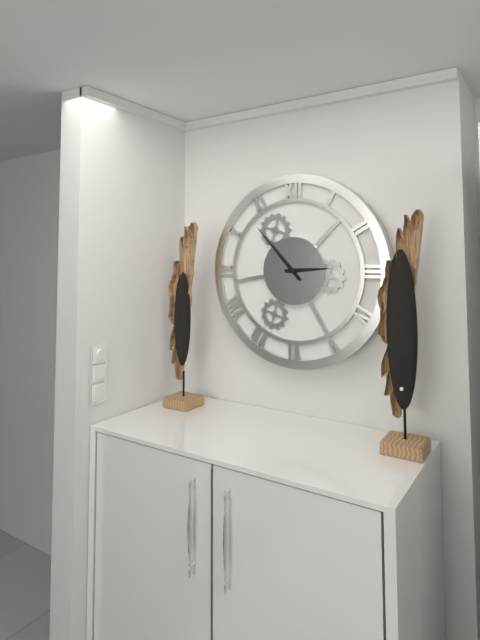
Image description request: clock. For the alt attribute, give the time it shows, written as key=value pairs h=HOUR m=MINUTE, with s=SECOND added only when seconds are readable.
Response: h=2 m=53
